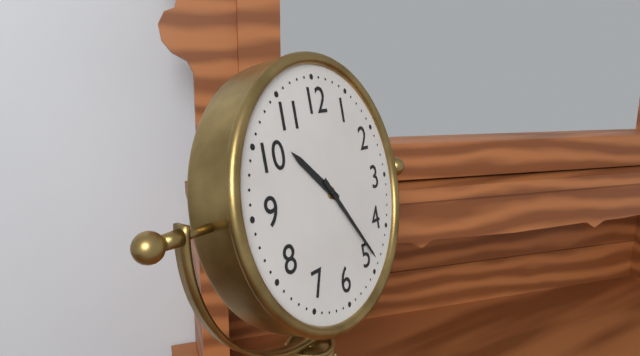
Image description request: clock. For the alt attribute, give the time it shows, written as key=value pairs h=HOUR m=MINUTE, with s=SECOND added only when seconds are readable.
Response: h=10 m=24
